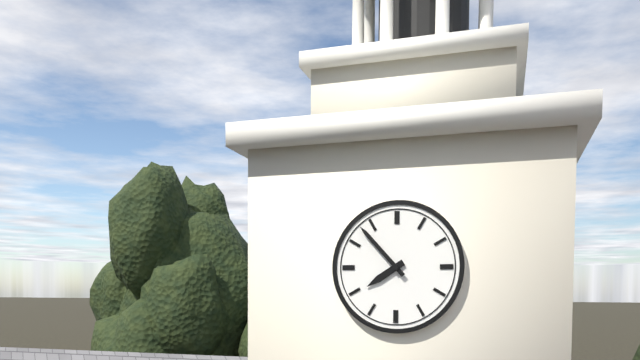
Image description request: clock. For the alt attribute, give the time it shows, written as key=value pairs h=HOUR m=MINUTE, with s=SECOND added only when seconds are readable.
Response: h=7 m=53
